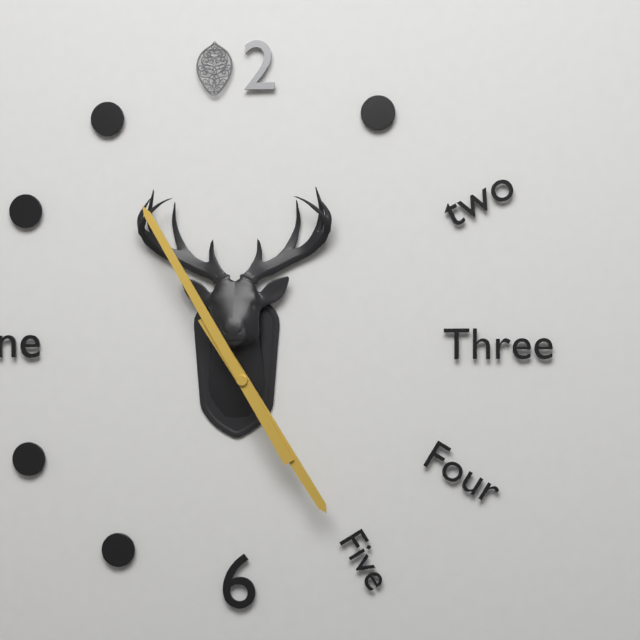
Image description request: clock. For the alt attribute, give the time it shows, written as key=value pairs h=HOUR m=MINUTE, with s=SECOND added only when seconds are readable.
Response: h=4 m=55
